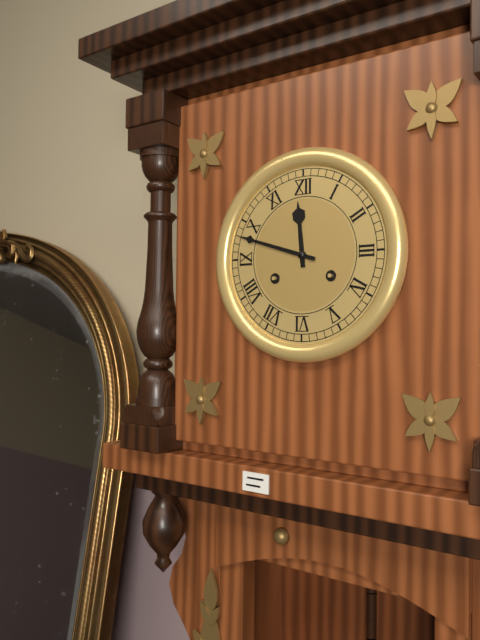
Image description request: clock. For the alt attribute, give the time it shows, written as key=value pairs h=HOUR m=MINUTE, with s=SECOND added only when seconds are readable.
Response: h=11 m=48
